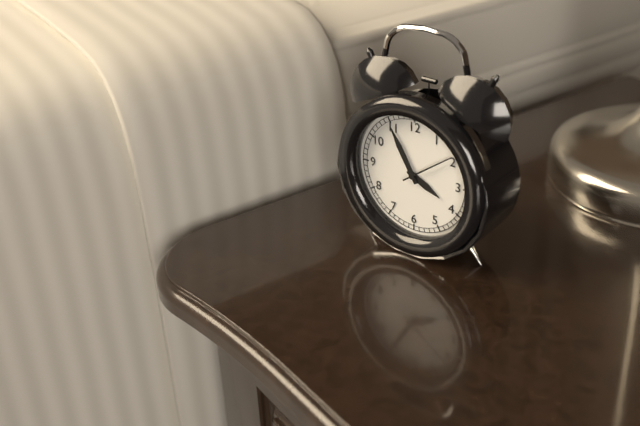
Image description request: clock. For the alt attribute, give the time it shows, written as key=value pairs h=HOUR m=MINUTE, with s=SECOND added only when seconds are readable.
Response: h=3 m=55 s=9
